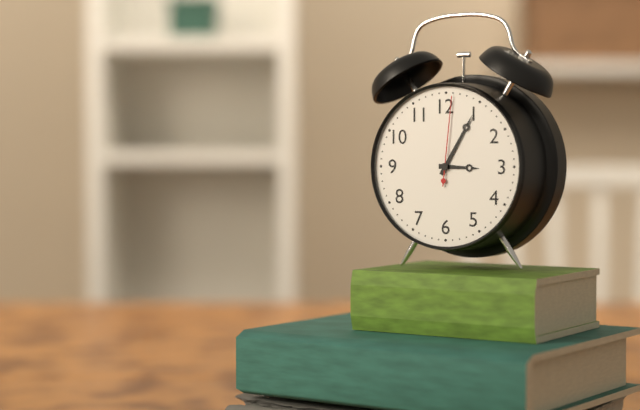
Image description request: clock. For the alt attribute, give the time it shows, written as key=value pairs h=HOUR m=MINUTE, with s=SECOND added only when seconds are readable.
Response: h=3 m=5 s=1
